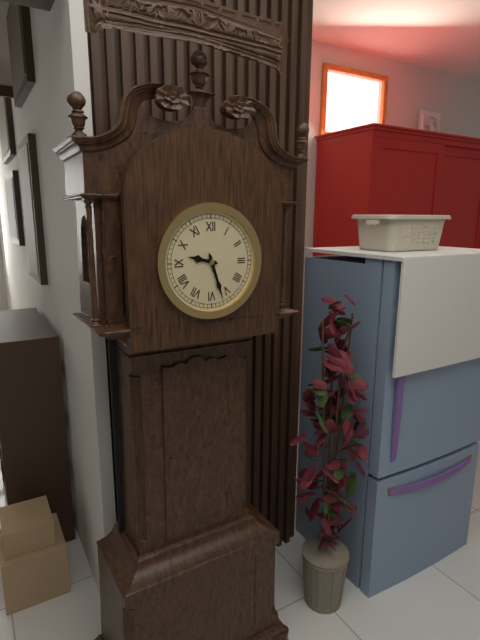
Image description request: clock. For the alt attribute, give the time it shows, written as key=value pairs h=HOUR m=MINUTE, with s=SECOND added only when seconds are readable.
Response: h=9 m=27
